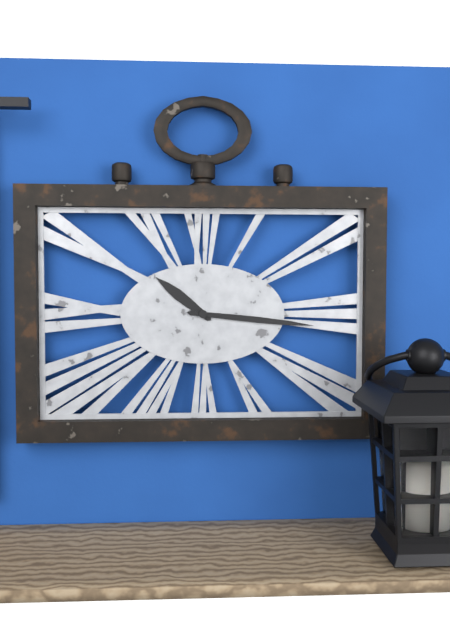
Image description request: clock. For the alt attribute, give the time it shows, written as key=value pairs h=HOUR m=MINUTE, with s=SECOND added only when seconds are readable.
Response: h=10 m=16
